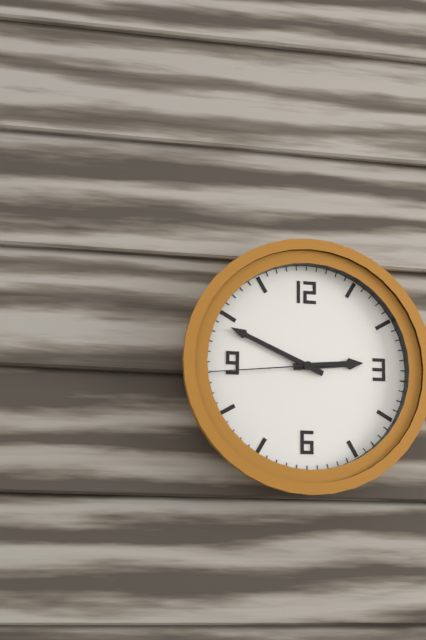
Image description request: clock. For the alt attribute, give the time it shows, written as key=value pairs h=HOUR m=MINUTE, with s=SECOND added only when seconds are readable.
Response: h=2 m=49 s=44
